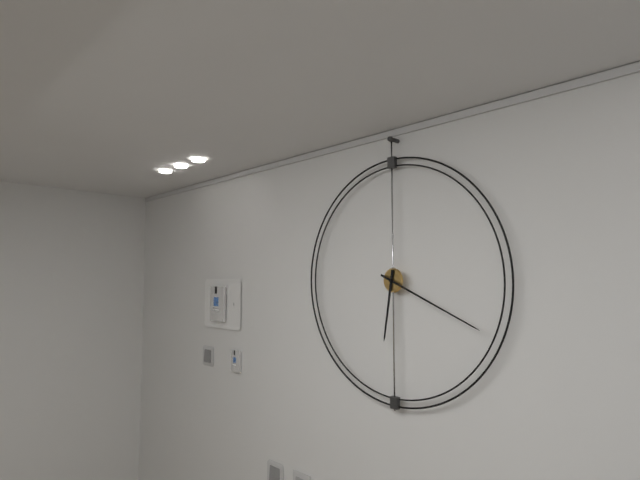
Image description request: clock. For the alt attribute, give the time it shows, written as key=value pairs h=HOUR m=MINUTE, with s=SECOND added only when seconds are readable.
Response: h=6 m=19
